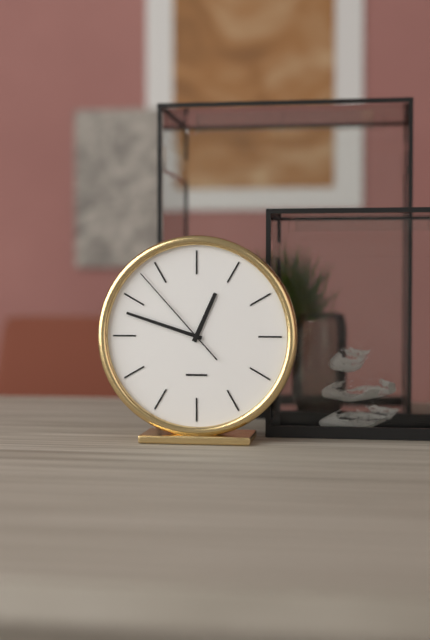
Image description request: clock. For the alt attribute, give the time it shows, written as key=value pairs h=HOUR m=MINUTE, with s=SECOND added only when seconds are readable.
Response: h=12 m=48 s=53
